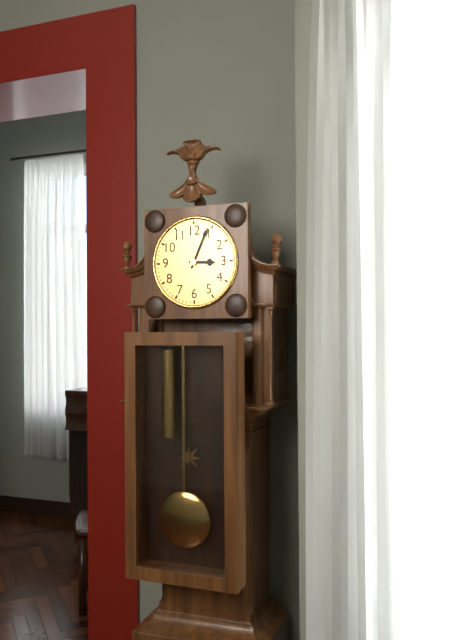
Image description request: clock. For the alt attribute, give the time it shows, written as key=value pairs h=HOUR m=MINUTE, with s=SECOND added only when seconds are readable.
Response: h=3 m=4
